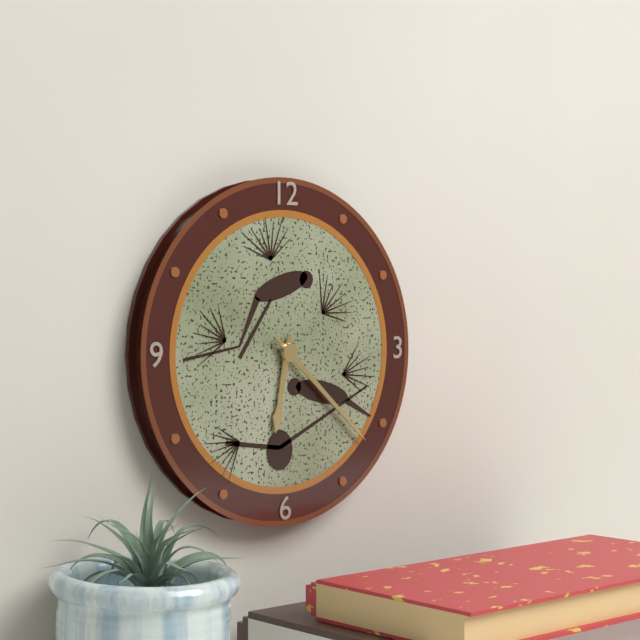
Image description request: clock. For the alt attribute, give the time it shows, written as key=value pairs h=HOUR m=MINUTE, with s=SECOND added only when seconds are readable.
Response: h=6 m=22
